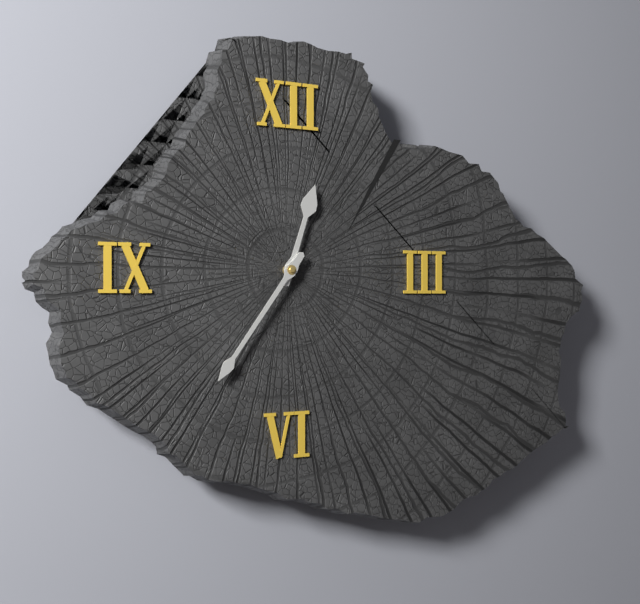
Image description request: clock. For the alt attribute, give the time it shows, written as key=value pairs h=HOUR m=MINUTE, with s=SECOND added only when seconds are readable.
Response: h=12 m=36
